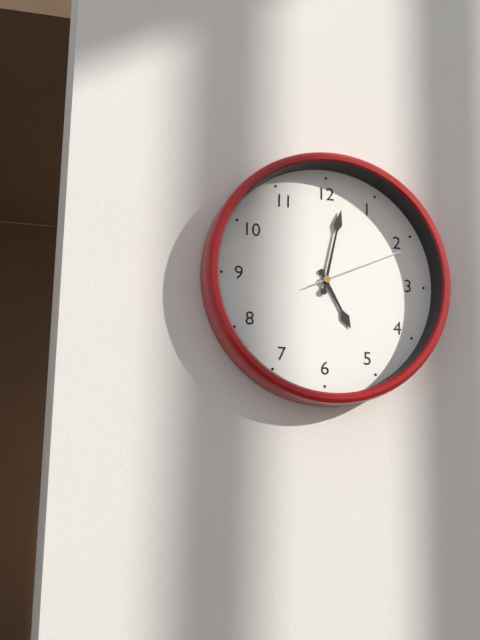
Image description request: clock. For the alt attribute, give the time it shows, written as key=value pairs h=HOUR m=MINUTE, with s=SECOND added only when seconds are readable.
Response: h=5 m=2 s=11
